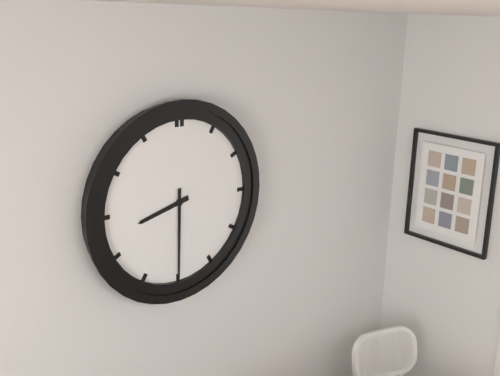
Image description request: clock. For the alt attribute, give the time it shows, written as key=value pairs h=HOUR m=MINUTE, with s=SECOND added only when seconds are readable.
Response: h=8 m=30
